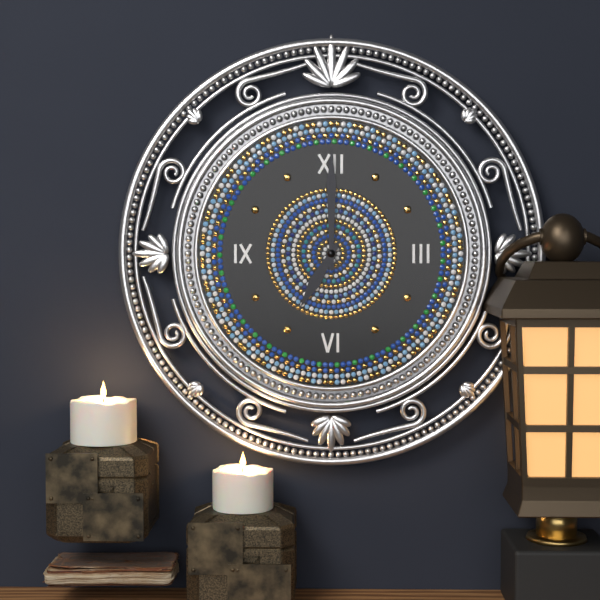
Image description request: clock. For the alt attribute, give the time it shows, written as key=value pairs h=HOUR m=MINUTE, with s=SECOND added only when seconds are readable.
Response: h=7 m=0
